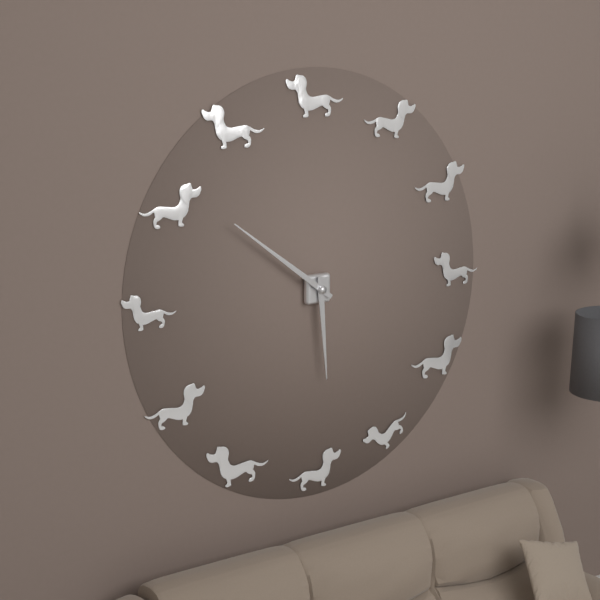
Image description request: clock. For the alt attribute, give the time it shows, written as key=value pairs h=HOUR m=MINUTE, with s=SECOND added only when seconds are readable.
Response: h=5 m=51
